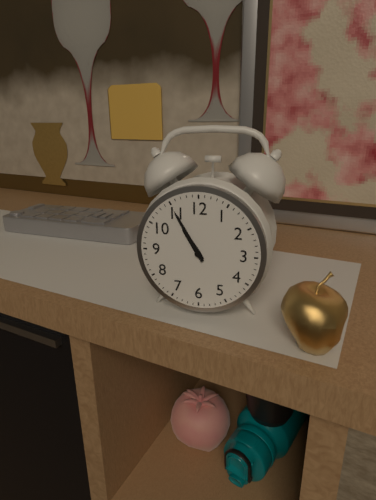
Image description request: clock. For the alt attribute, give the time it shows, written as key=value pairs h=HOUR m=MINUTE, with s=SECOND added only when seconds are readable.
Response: h=10 m=55
